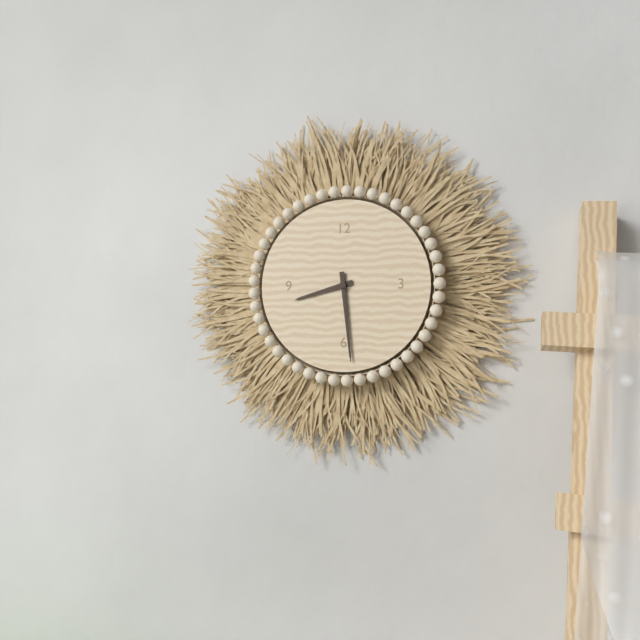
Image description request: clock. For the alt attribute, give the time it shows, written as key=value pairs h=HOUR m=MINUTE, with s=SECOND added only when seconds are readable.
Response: h=8 m=29
